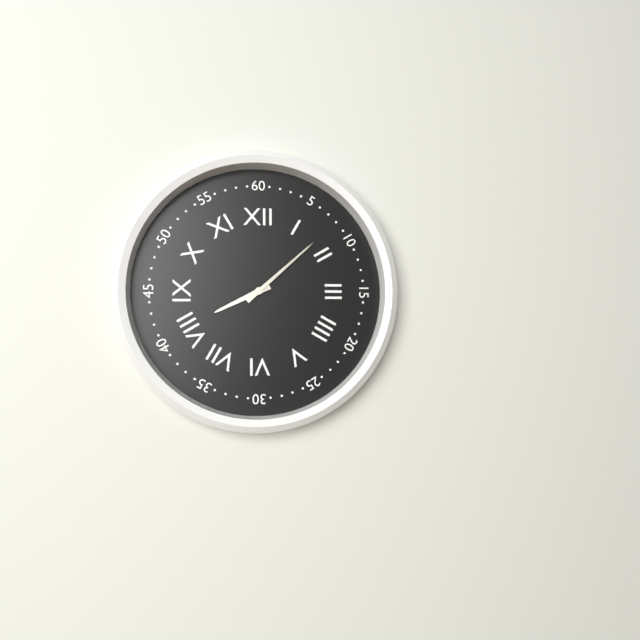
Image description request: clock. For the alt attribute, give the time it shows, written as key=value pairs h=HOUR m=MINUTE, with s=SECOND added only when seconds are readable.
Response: h=8 m=8
